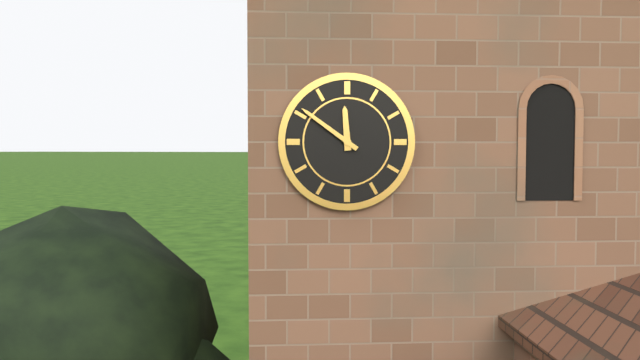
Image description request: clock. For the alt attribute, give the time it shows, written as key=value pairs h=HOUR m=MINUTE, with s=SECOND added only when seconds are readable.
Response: h=11 m=51
